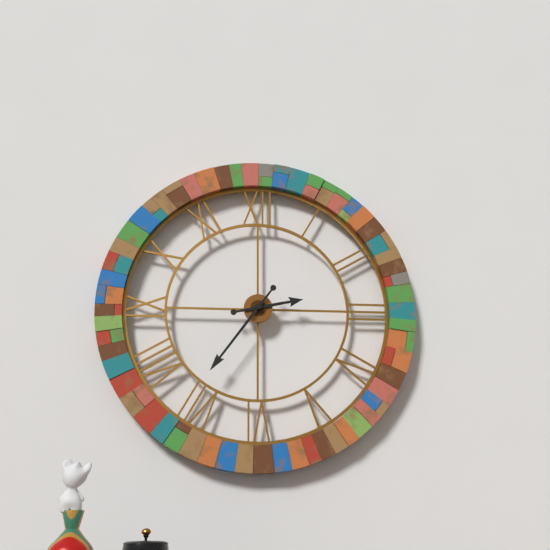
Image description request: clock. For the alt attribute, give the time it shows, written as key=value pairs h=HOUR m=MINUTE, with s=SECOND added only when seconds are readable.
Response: h=2 m=36
